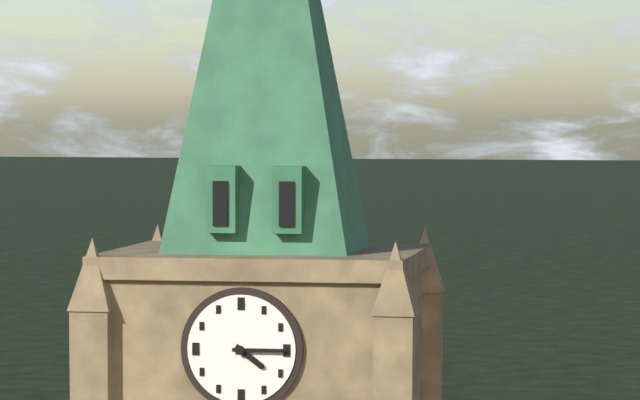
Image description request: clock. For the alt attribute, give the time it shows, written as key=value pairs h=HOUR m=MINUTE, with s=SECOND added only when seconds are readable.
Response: h=4 m=15
